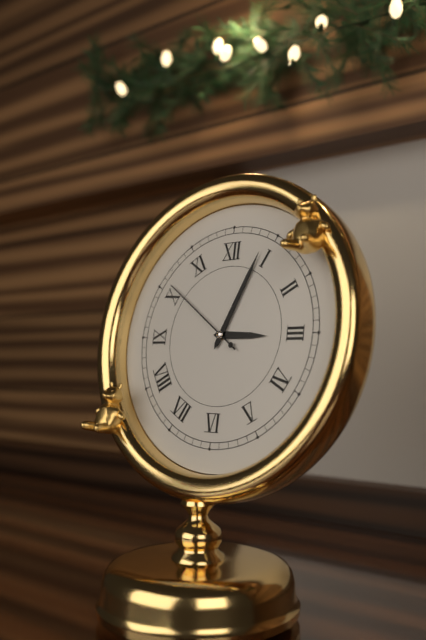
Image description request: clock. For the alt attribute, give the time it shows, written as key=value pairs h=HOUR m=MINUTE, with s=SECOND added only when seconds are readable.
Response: h=3 m=4 s=51
